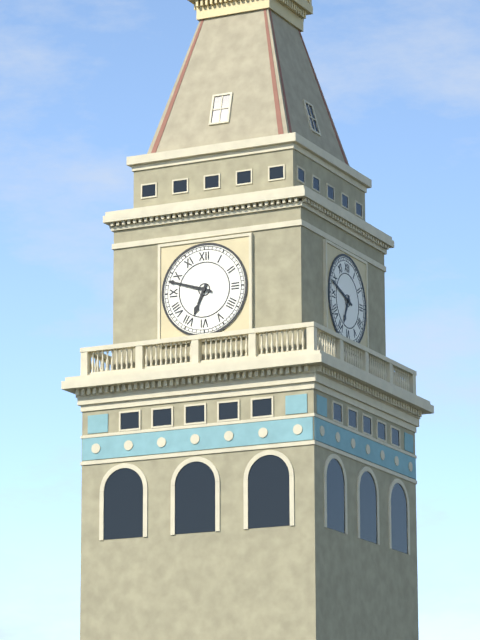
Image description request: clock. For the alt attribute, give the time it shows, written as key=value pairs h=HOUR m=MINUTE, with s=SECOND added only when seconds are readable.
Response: h=6 m=48
